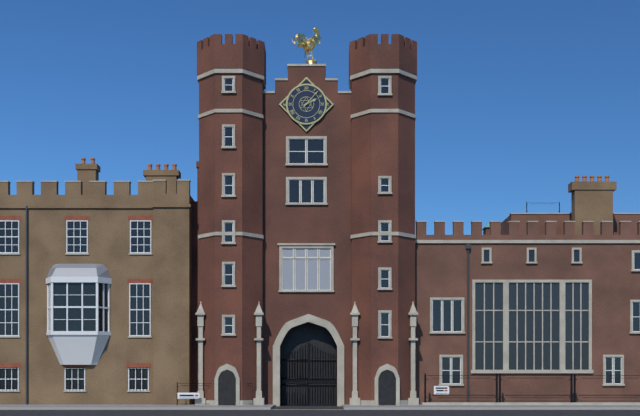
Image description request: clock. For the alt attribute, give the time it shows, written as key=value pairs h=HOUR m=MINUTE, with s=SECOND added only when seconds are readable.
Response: h=2 m=7
